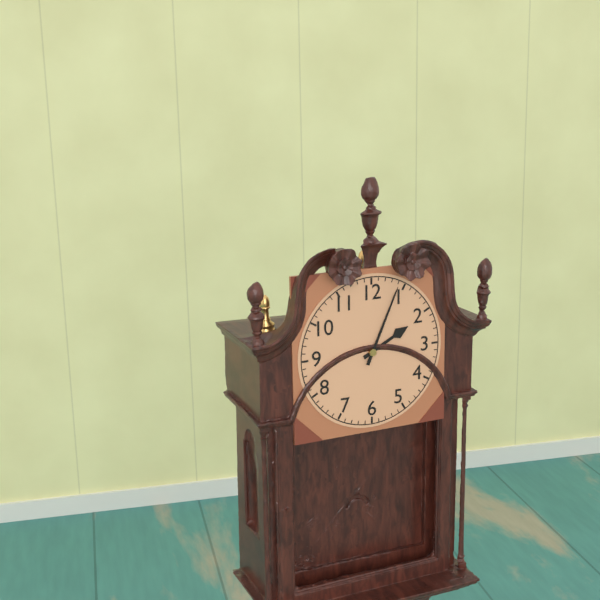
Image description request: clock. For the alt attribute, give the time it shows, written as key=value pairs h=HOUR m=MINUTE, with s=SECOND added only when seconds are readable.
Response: h=2 m=4
